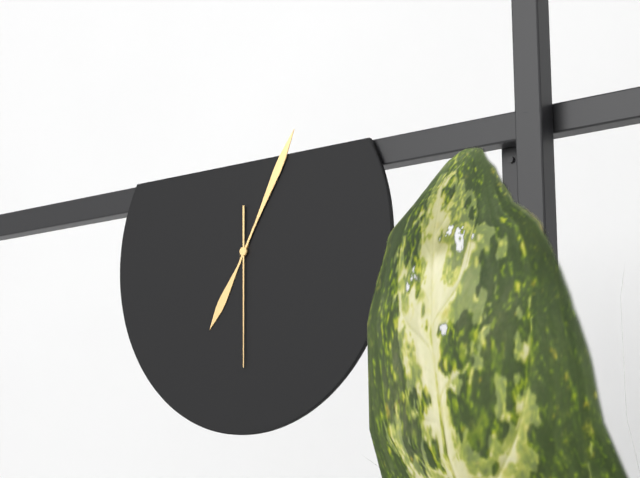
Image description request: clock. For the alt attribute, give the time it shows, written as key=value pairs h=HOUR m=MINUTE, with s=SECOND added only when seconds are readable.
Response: h=7 m=5 s=30
